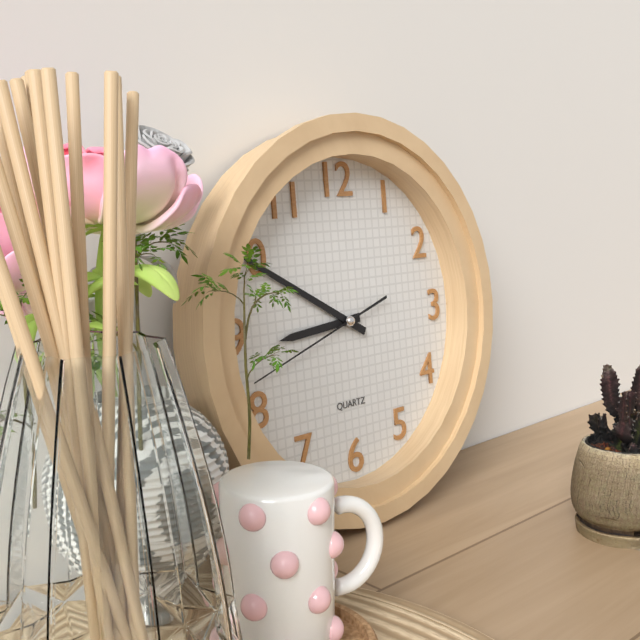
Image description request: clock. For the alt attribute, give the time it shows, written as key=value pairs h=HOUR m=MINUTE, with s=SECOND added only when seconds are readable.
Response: h=8 m=50 s=42
